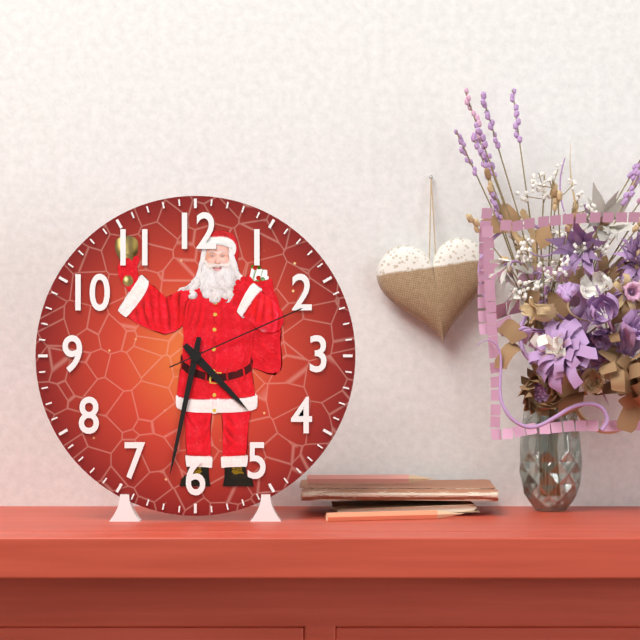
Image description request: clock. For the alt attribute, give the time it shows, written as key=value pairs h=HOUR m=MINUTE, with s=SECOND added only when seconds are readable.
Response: h=4 m=32 s=11
